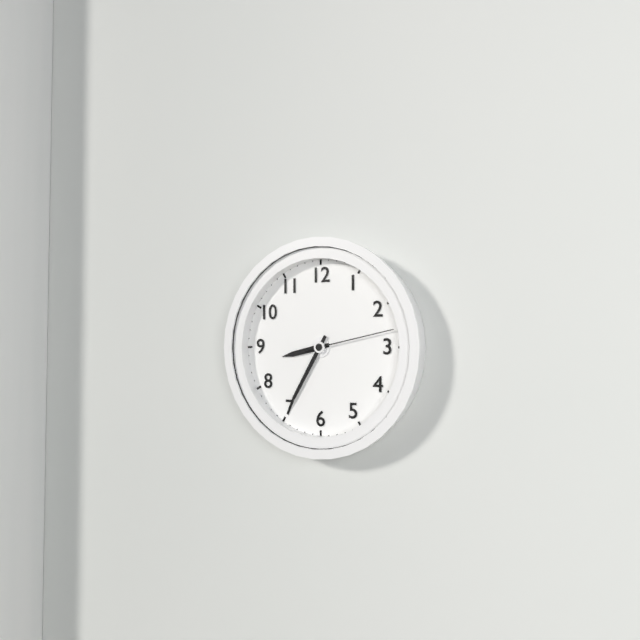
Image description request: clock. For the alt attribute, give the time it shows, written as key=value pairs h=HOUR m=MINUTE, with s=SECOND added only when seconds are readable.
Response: h=8 m=35 s=13
